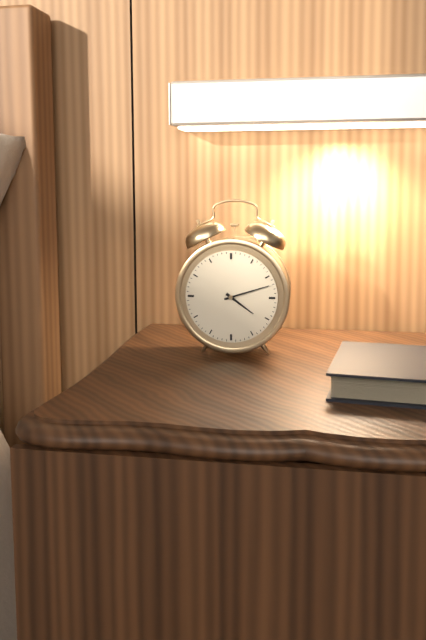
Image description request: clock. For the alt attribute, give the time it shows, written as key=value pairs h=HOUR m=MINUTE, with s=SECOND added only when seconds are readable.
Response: h=4 m=12
